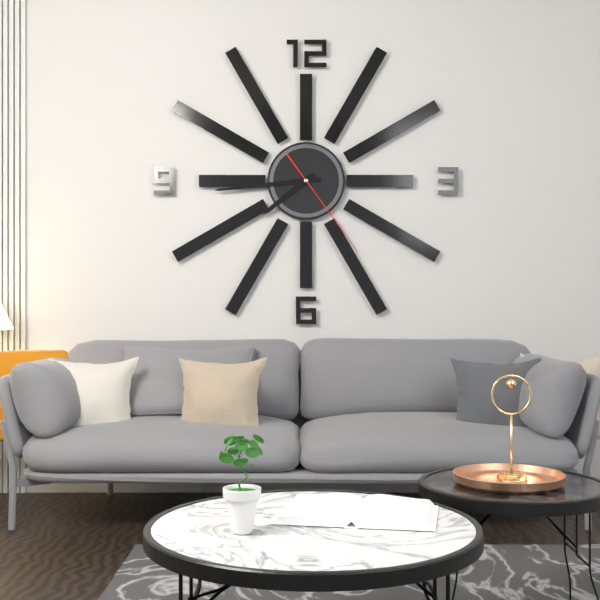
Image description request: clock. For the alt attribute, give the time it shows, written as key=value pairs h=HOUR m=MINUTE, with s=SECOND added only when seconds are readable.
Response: h=7 m=44 s=24
